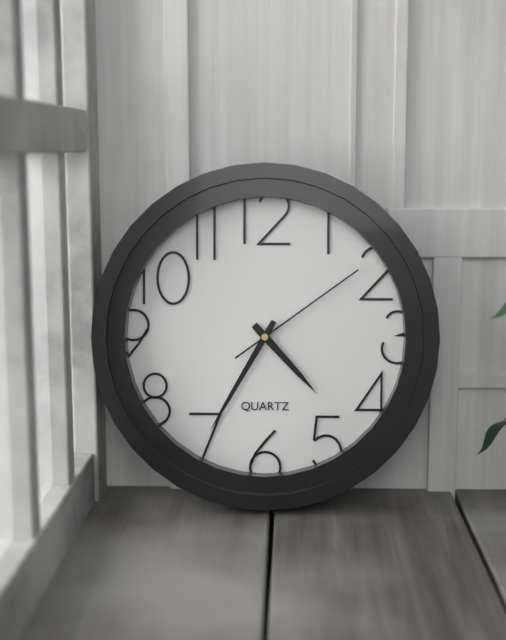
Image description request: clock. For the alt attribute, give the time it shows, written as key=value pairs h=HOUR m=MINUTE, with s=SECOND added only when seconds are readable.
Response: h=4 m=35 s=9
